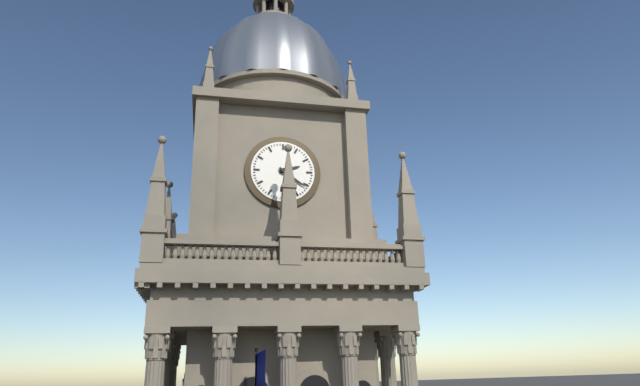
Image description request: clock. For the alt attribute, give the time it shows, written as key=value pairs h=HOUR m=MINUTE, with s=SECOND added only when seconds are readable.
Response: h=2 m=21
